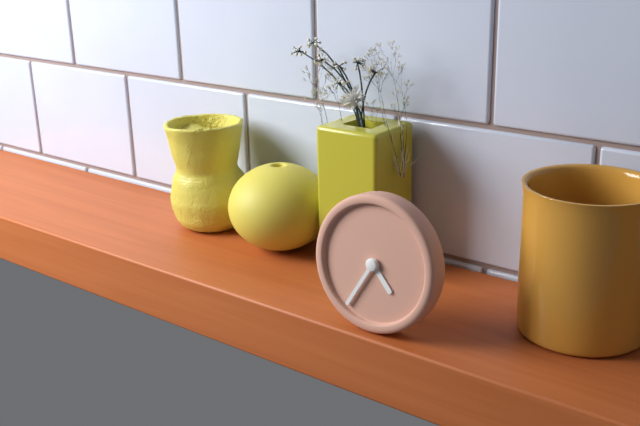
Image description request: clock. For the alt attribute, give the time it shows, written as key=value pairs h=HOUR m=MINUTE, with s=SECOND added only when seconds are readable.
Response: h=4 m=35
